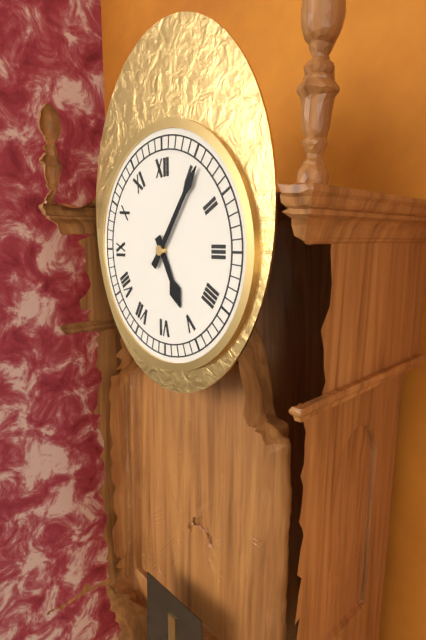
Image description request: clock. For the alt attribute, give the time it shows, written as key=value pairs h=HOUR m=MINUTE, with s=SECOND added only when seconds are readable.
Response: h=5 m=6
